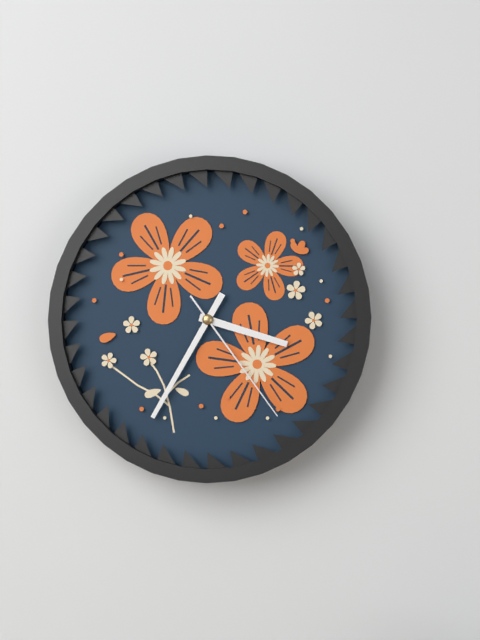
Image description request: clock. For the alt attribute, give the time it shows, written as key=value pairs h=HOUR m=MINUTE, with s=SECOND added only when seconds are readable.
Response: h=3 m=35 s=24
